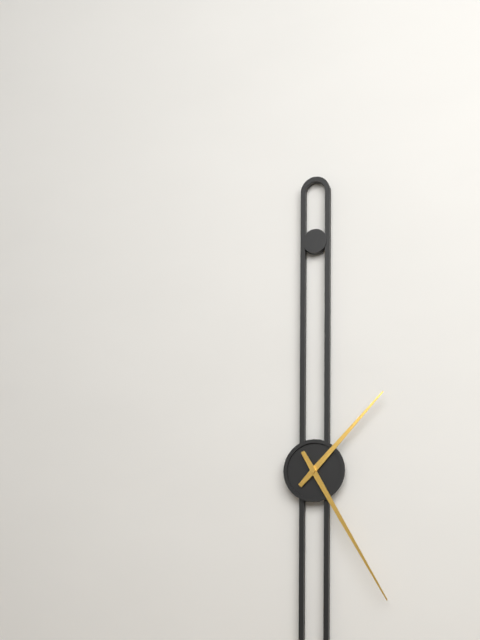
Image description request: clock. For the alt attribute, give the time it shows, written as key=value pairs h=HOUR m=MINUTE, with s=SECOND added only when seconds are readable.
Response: h=1 m=25
